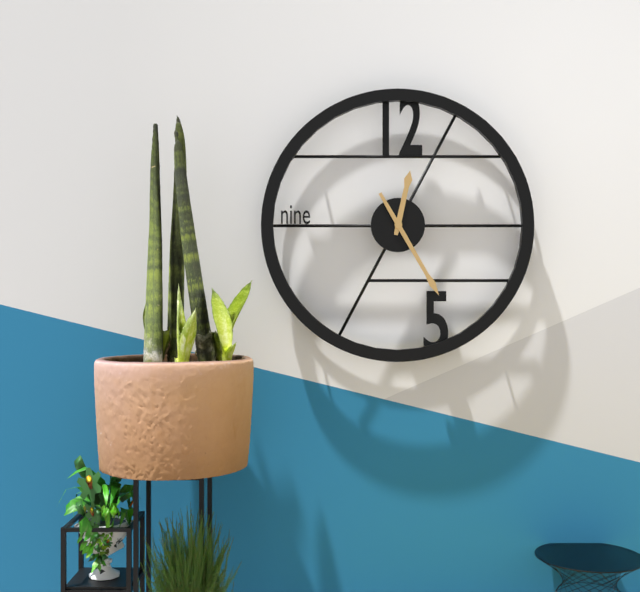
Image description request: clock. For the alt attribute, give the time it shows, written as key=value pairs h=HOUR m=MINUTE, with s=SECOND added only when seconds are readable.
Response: h=12 m=25
